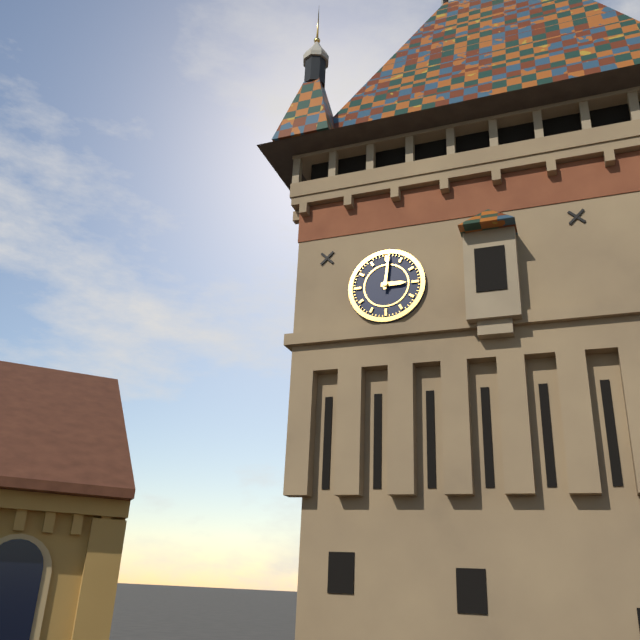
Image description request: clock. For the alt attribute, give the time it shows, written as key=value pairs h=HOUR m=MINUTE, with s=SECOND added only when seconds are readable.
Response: h=3 m=1
